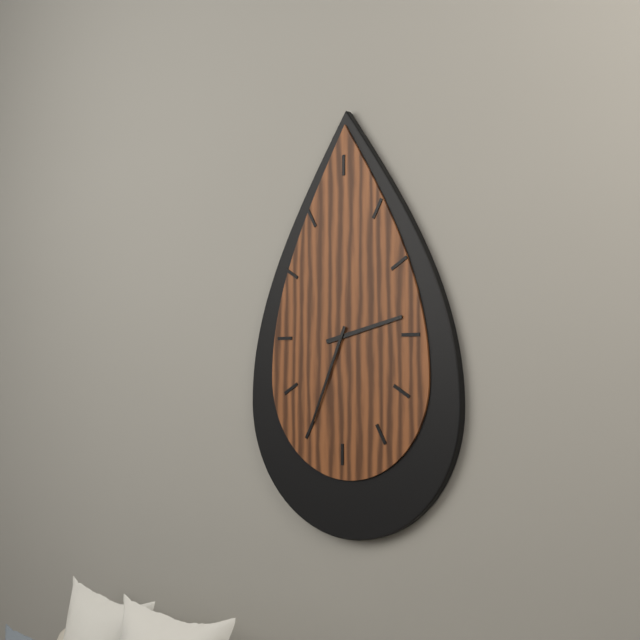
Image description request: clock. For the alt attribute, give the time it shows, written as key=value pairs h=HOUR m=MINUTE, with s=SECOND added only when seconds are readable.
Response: h=2 m=34
